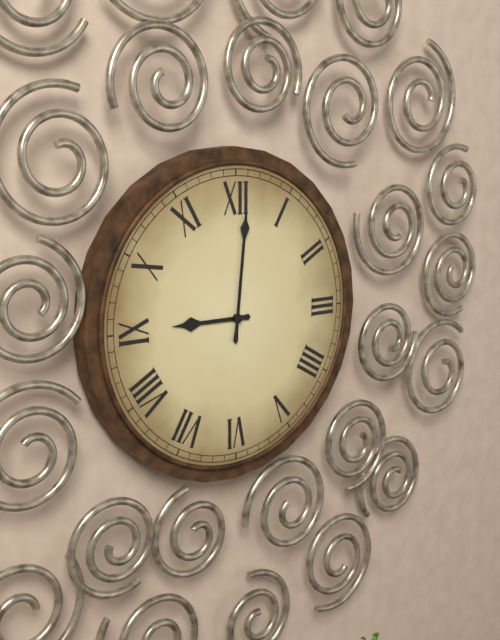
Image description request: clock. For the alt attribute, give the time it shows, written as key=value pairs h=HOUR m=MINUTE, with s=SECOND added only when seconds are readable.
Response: h=9 m=1
